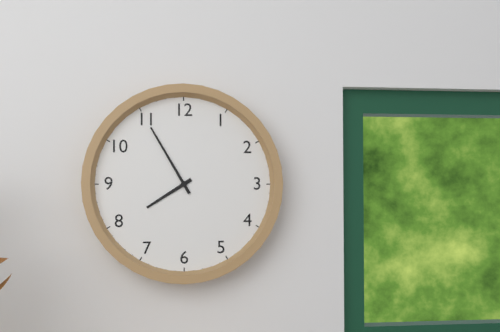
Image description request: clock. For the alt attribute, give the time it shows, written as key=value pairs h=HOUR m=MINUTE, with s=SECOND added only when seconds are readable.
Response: h=7 m=55
